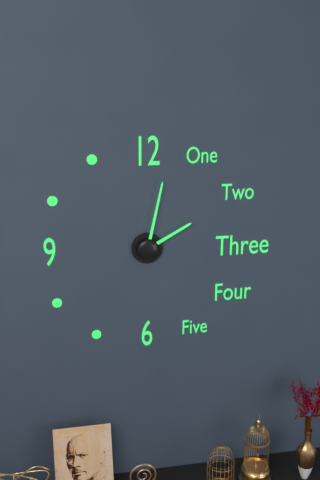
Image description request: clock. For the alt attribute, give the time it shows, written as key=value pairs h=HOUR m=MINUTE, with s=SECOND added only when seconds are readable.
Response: h=2 m=2
